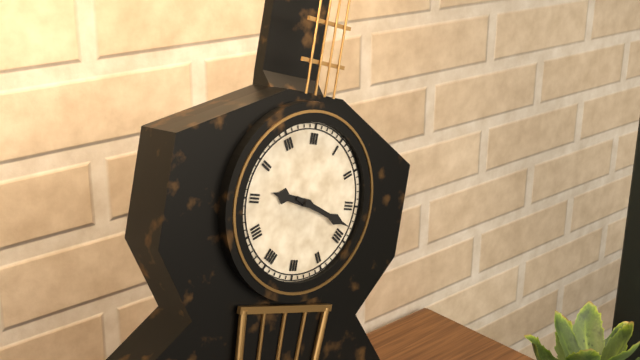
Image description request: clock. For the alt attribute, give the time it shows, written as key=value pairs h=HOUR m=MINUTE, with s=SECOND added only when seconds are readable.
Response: h=9 m=18
